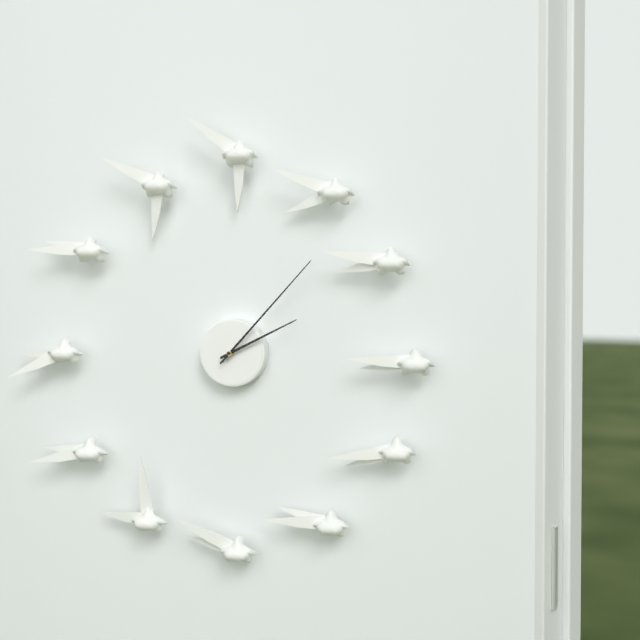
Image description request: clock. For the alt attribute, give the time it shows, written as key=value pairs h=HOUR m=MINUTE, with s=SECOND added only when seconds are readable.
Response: h=2 m=7
